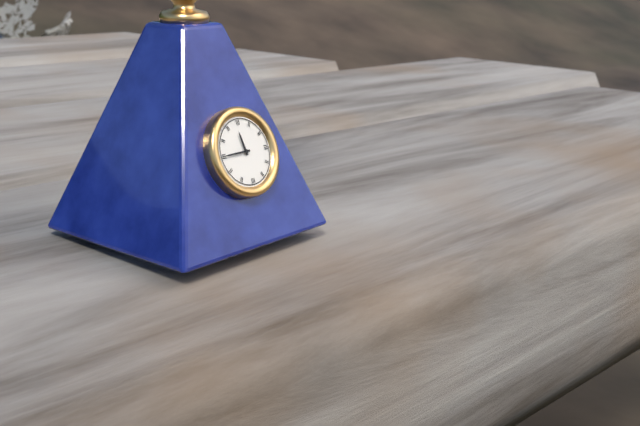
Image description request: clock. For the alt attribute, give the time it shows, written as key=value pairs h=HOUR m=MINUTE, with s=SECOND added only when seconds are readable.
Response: h=11 m=45
